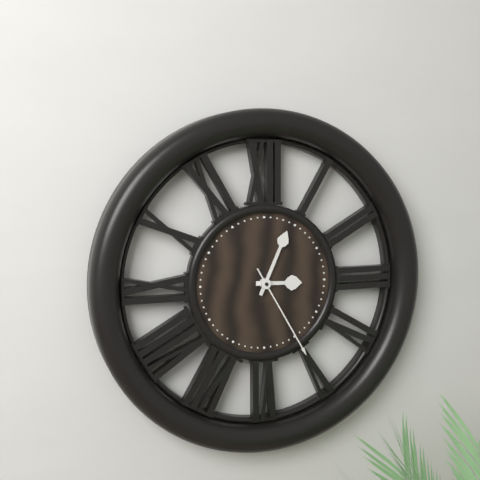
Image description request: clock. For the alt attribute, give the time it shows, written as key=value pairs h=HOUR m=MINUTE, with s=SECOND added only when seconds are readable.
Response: h=3 m=4 s=25
